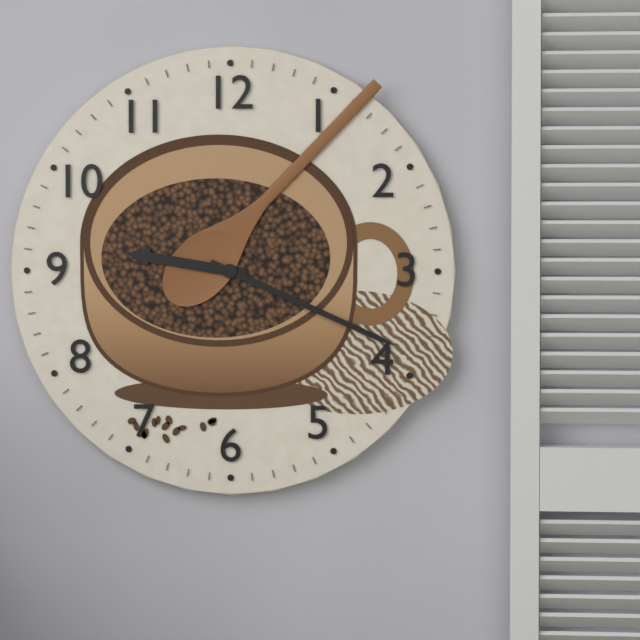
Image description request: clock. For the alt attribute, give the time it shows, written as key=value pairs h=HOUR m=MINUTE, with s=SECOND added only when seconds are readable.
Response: h=9 m=19
